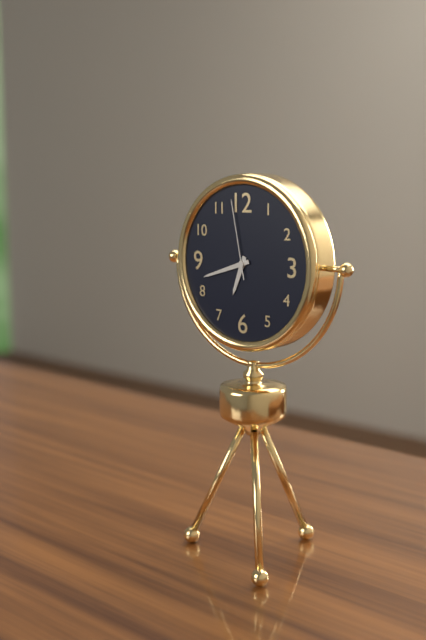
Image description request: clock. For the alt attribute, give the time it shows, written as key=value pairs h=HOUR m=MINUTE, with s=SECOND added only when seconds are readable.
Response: h=6 m=42 s=58
